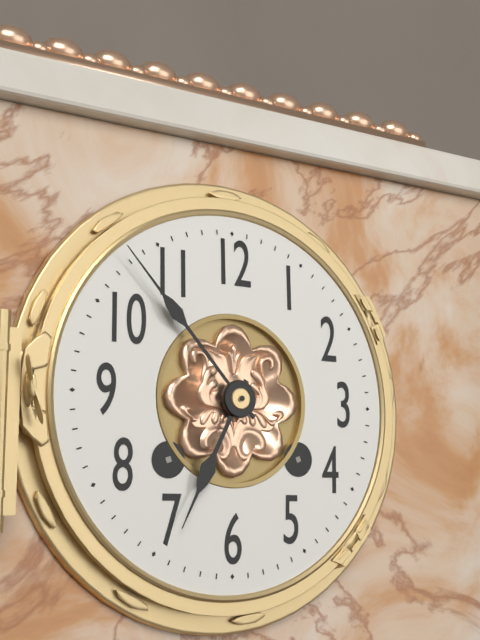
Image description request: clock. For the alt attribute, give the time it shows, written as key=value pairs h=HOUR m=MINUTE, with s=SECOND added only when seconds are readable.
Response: h=6 m=53
